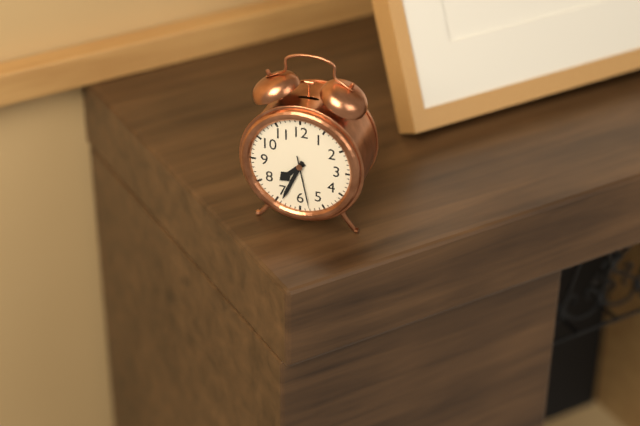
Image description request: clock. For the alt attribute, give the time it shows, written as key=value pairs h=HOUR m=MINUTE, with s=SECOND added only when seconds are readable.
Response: h=7 m=34 s=28
